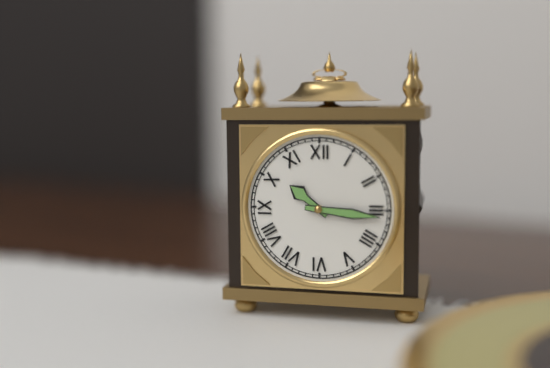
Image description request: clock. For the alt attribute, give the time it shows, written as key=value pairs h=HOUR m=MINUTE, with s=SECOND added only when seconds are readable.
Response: h=10 m=16
